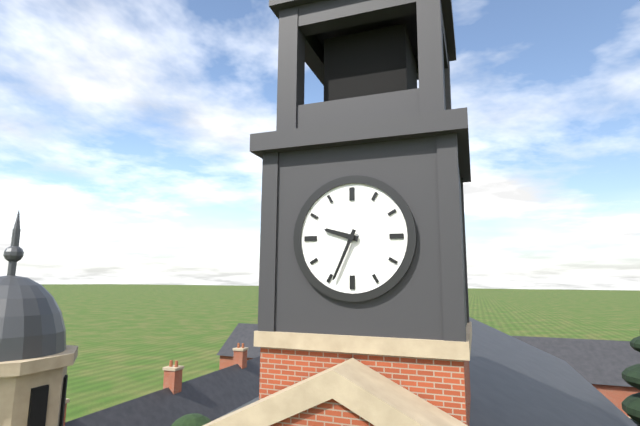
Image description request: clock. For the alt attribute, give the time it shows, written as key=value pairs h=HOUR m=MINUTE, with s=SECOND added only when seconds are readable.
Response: h=9 m=34
